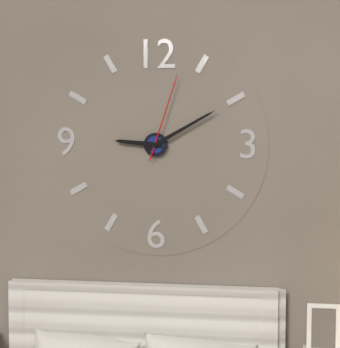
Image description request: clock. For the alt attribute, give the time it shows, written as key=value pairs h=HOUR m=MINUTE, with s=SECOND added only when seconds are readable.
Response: h=9 m=10 s=3
